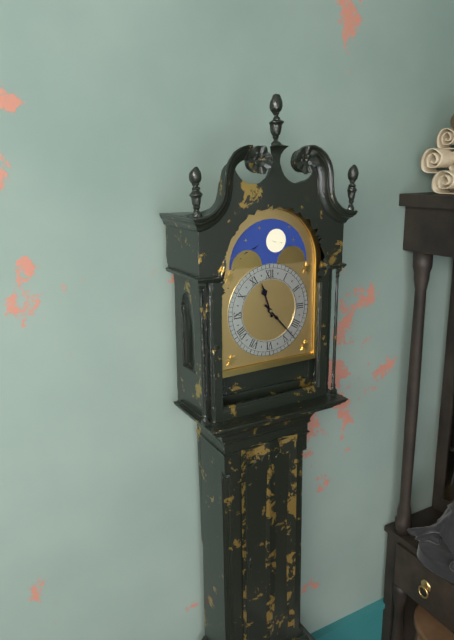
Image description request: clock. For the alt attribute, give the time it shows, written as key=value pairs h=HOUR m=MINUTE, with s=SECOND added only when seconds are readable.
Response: h=11 m=23
